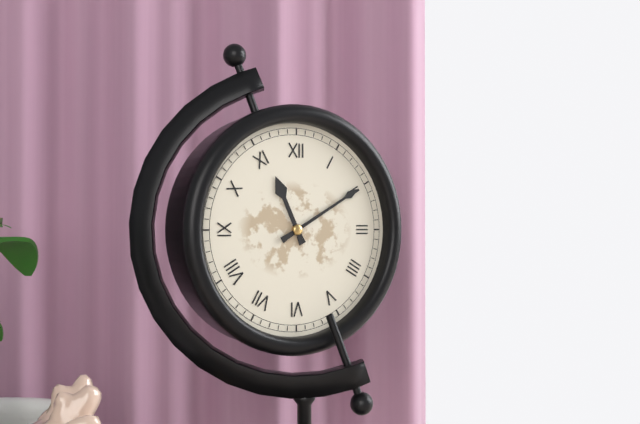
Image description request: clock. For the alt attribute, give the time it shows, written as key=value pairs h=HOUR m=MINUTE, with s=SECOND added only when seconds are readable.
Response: h=11 m=10
